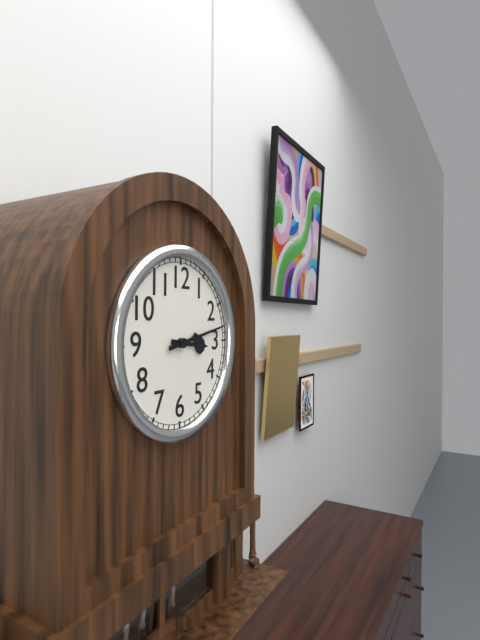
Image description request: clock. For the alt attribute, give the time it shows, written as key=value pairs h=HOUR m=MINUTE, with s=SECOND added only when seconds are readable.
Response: h=3 m=13
